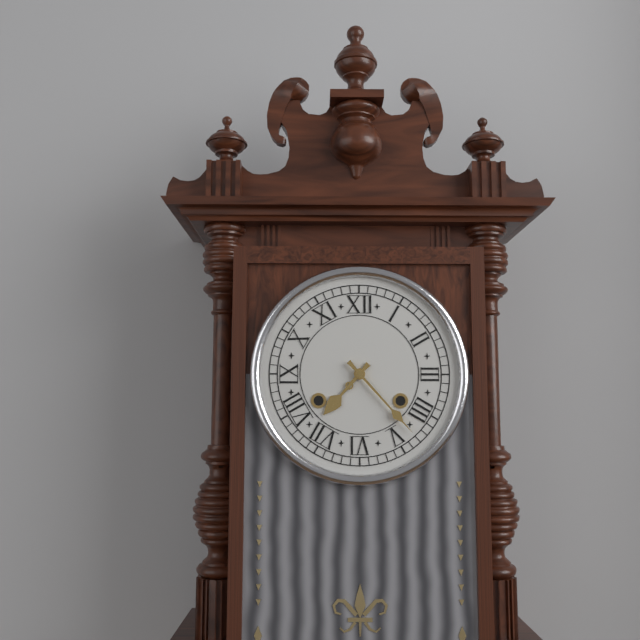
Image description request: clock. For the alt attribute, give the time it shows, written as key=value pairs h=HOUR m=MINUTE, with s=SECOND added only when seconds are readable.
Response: h=7 m=23
